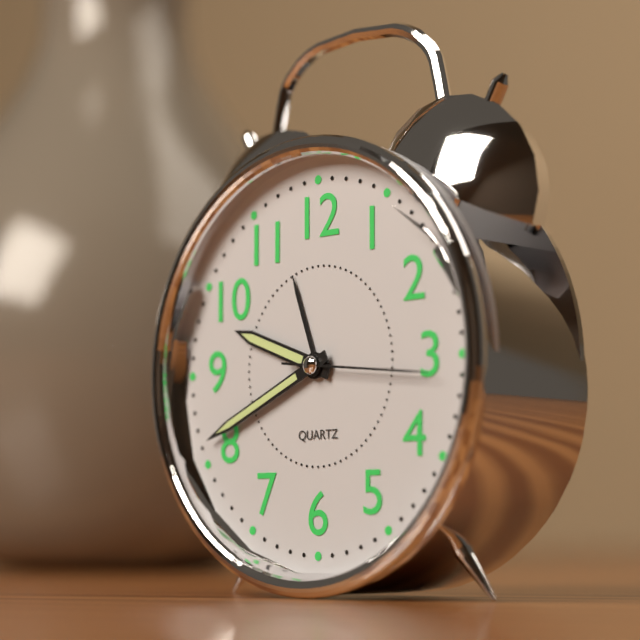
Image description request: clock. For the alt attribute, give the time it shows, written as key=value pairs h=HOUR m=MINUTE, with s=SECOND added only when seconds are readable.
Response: h=9 m=41 s=16
